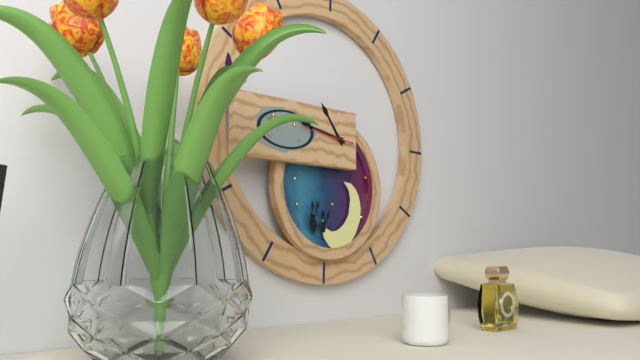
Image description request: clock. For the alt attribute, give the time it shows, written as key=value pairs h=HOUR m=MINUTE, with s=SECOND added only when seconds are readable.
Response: h=10 m=47
